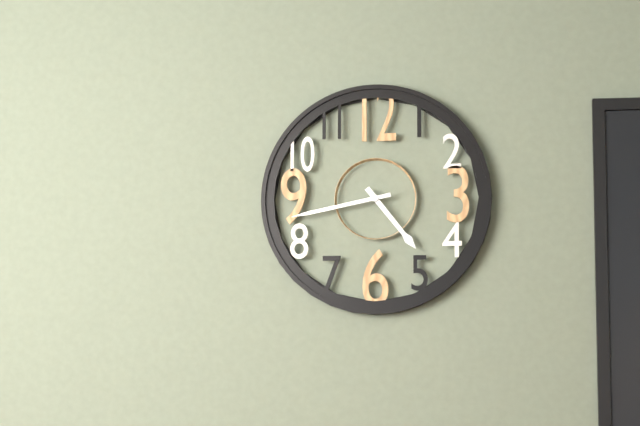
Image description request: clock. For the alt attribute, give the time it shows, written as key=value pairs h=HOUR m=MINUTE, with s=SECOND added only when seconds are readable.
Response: h=4 m=43
